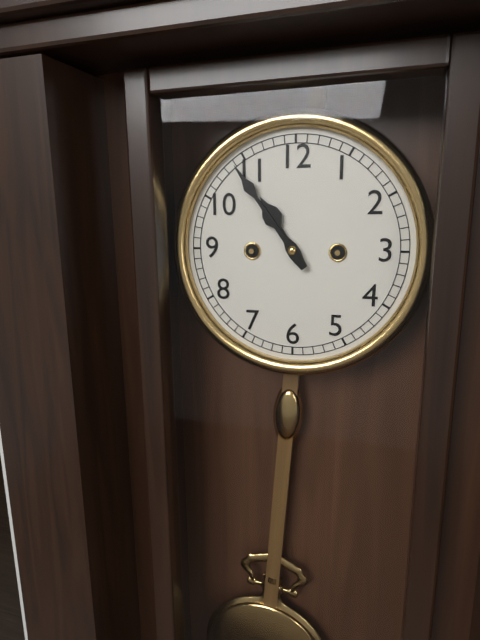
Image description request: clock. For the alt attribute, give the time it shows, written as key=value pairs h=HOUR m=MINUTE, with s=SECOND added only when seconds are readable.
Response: h=10 m=54
